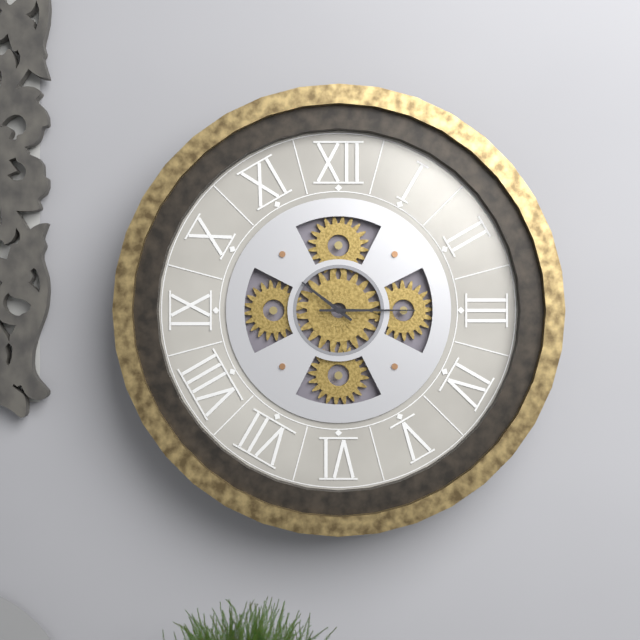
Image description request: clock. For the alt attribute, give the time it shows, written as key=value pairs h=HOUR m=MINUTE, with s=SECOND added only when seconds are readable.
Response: h=10 m=15
